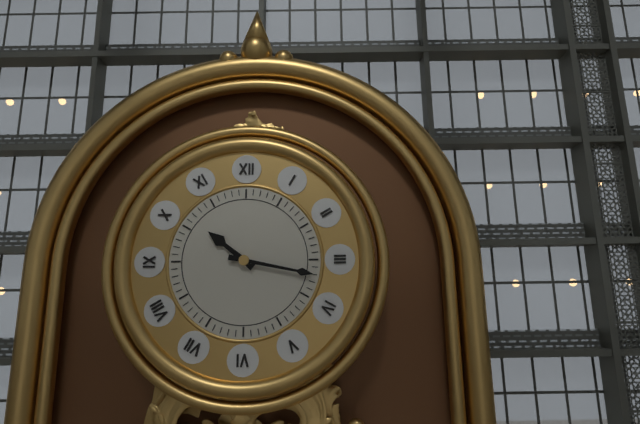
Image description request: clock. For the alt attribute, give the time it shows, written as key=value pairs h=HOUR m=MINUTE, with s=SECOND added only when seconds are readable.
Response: h=10 m=17
